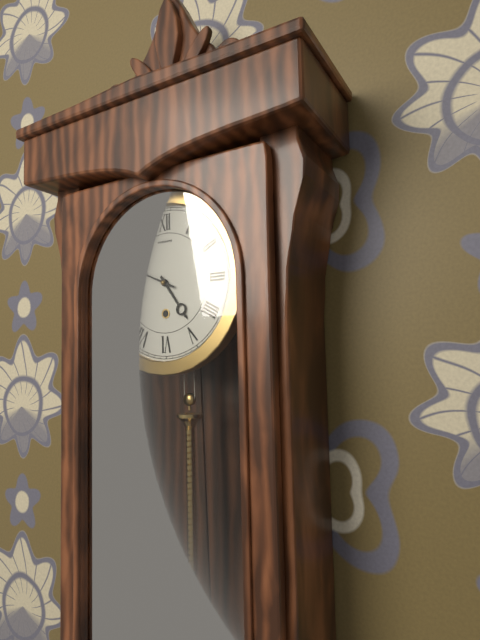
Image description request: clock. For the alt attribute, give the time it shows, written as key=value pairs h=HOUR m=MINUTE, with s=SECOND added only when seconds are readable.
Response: h=4 m=49
